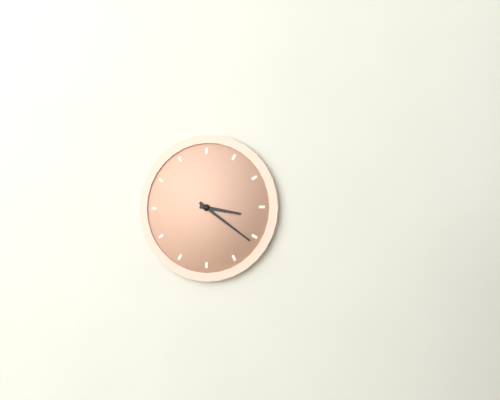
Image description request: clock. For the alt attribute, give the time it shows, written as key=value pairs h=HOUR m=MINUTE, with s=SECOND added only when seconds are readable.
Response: h=3 m=21
